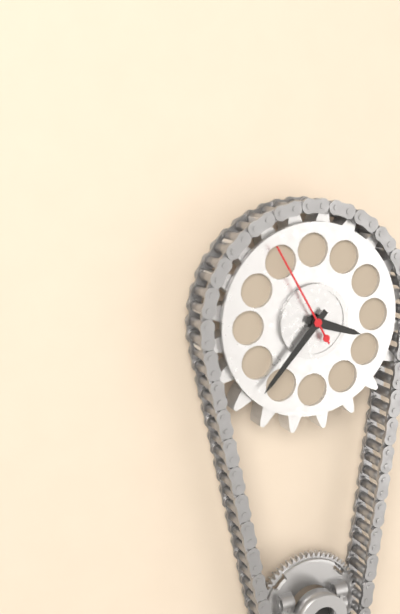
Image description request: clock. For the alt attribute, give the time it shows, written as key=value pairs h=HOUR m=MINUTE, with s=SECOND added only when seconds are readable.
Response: h=3 m=37 s=55
